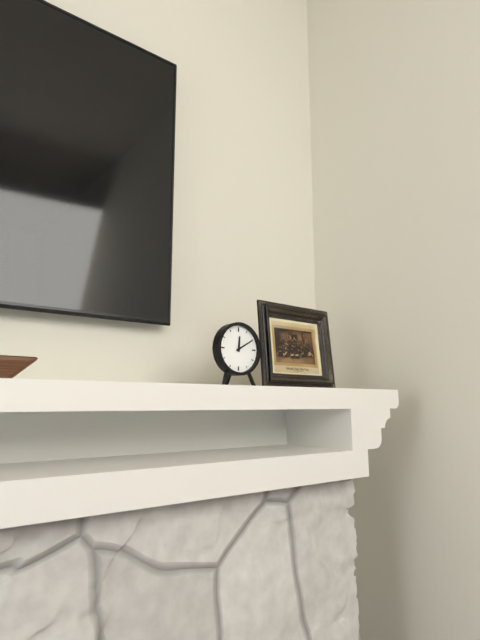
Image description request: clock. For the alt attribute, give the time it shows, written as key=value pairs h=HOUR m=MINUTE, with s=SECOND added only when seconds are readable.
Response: h=12 m=10
